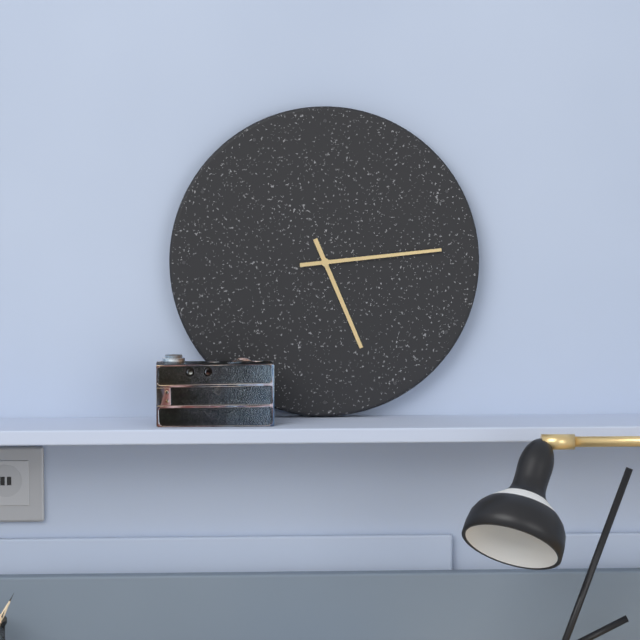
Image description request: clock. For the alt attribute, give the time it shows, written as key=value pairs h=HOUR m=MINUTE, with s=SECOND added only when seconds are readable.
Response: h=5 m=14
